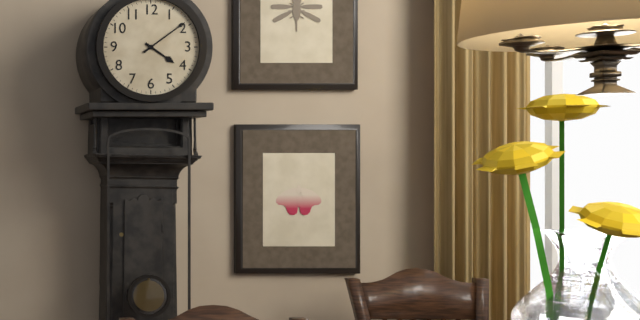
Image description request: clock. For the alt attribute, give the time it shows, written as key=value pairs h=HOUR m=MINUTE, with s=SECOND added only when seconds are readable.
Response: h=4 m=9
